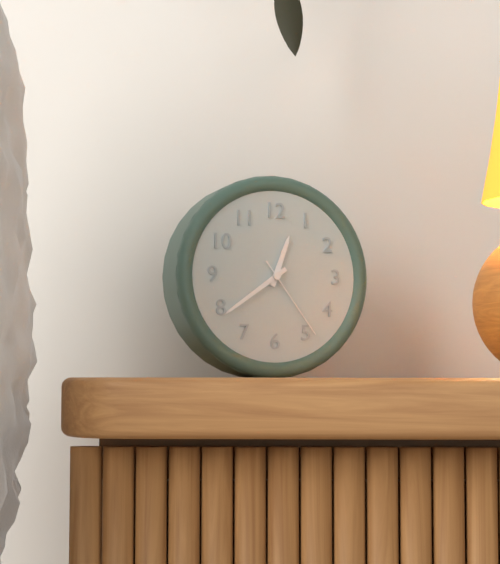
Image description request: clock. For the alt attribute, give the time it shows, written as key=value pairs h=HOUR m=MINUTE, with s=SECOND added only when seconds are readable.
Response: h=12 m=39 s=24
